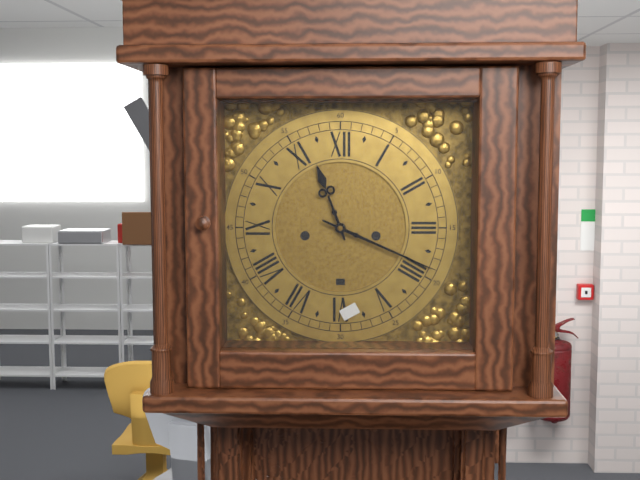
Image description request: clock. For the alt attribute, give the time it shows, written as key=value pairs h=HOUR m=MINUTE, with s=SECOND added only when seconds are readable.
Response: h=11 m=19
